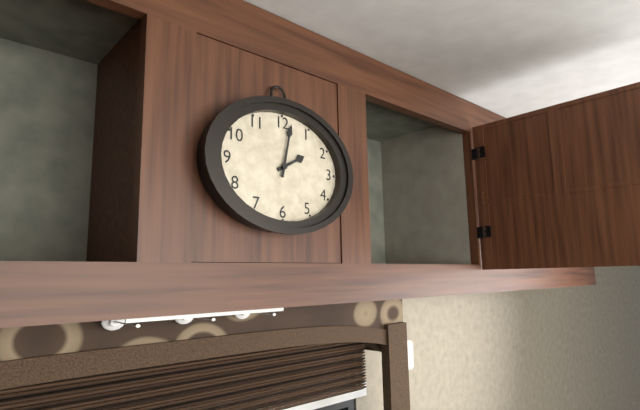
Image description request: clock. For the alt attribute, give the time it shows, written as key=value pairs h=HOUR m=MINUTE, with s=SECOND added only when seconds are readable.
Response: h=2 m=2
